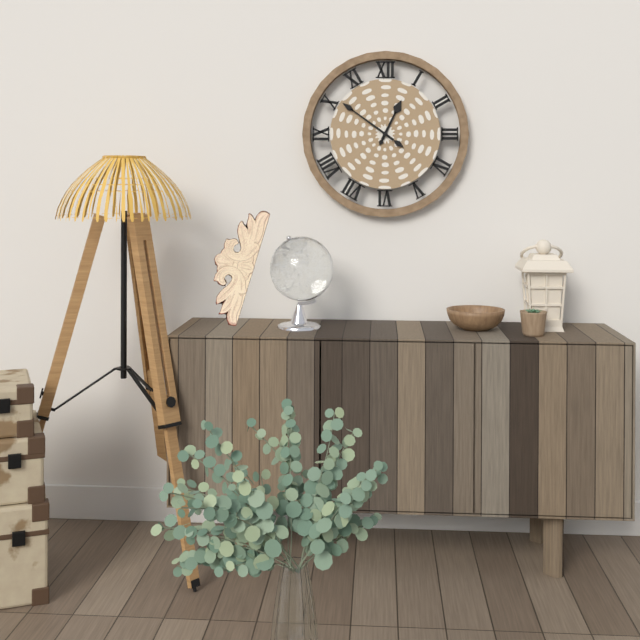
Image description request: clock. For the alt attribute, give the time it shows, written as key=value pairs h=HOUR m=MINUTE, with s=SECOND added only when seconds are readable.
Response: h=12 m=51
